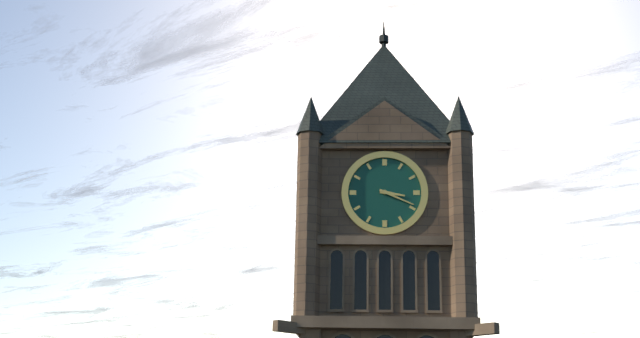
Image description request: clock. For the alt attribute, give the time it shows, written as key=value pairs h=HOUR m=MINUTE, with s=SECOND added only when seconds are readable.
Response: h=3 m=19
